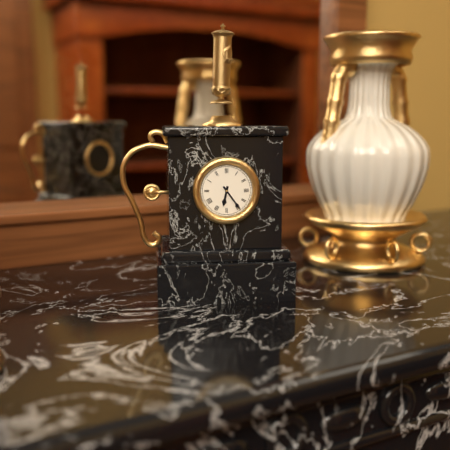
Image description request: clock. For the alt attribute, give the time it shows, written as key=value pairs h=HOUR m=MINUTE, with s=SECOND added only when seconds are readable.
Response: h=6 m=24
